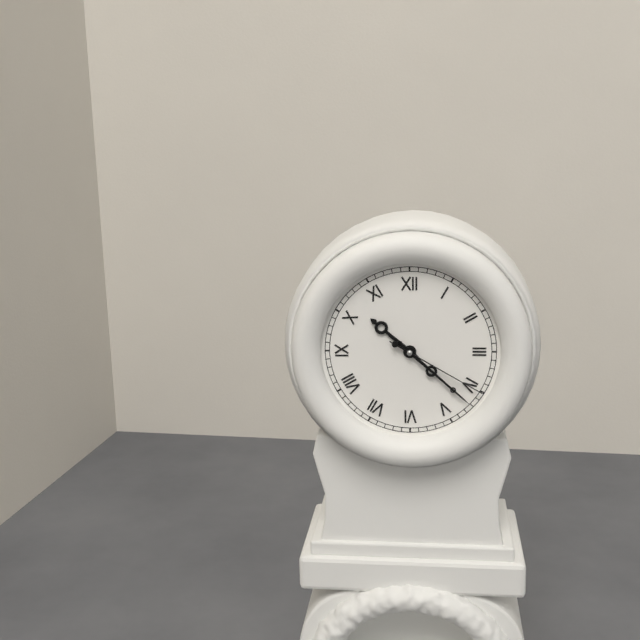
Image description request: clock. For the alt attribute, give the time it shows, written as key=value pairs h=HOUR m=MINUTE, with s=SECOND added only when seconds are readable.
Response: h=10 m=22 s=20
